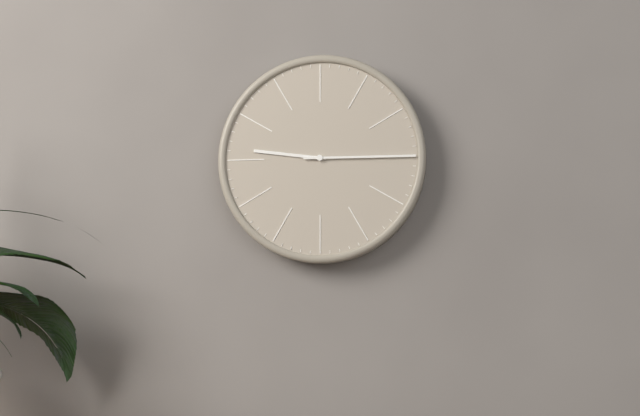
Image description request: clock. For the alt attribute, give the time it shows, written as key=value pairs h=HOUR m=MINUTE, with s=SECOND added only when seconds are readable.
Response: h=9 m=15
